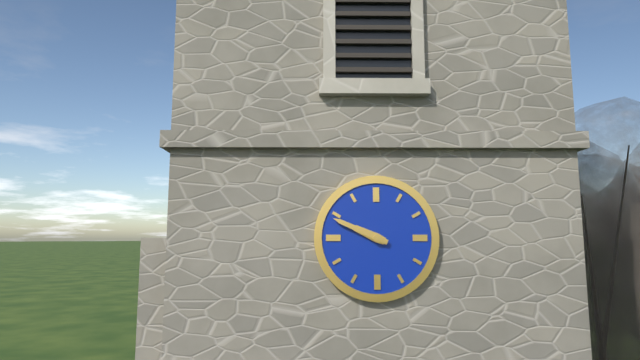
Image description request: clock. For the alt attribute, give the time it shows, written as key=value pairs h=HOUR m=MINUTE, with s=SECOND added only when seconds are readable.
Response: h=9 m=49
